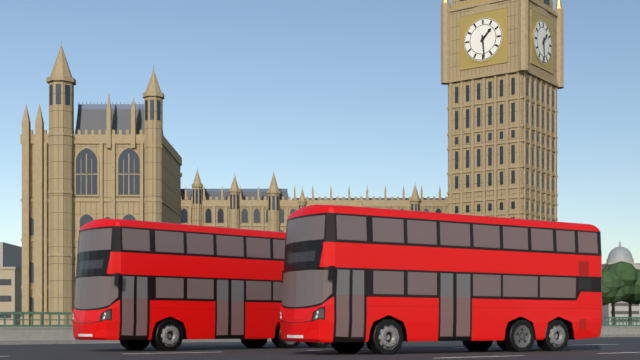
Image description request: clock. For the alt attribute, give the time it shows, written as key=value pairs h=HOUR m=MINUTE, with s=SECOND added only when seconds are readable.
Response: h=1 m=29
